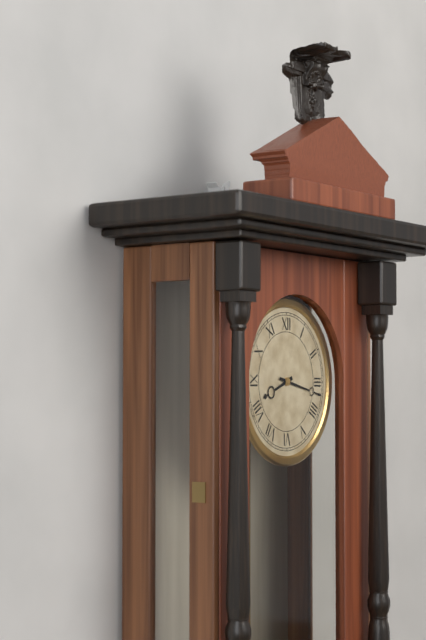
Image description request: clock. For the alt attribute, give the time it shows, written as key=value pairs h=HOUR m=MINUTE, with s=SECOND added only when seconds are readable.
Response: h=8 m=17
